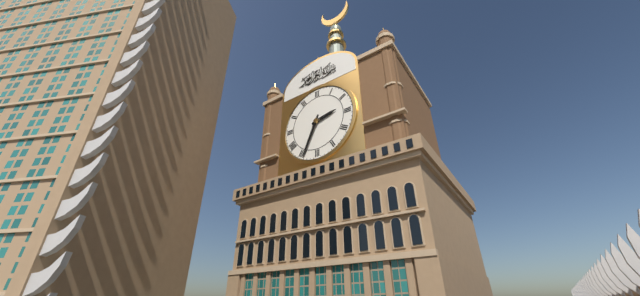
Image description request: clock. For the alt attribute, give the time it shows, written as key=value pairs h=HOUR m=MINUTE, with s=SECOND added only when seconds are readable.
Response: h=2 m=34
